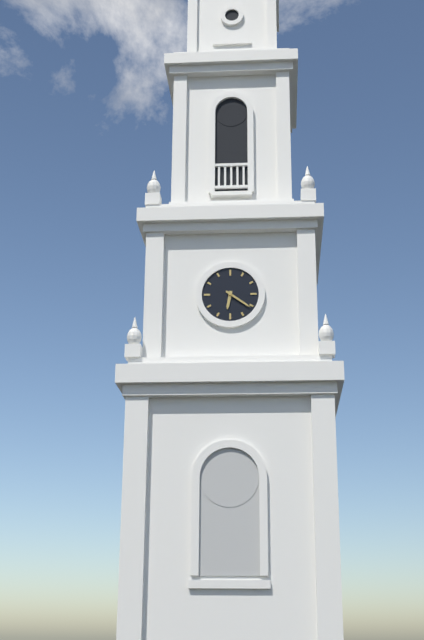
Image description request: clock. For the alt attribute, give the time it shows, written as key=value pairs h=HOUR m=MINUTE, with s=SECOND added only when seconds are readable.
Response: h=6 m=21
